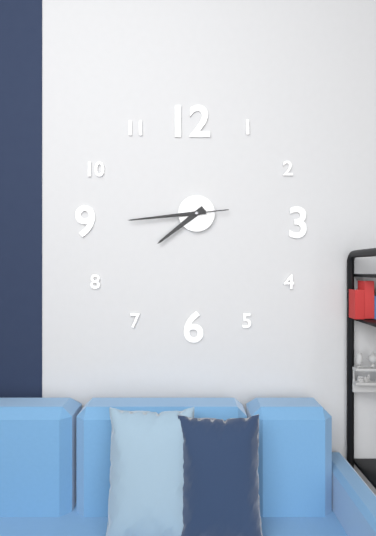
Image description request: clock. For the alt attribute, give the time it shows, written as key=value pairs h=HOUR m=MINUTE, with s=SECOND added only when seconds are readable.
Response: h=7 m=44 s=44
